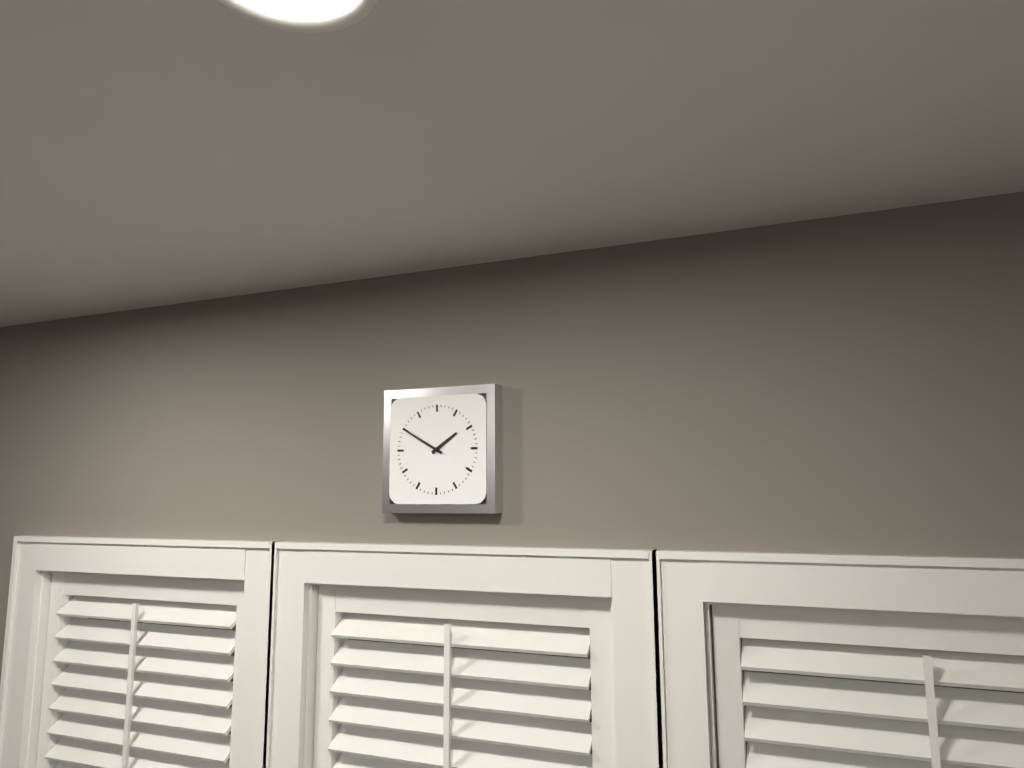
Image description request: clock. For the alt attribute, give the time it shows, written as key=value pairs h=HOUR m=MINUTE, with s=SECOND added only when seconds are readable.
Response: h=1 m=50
